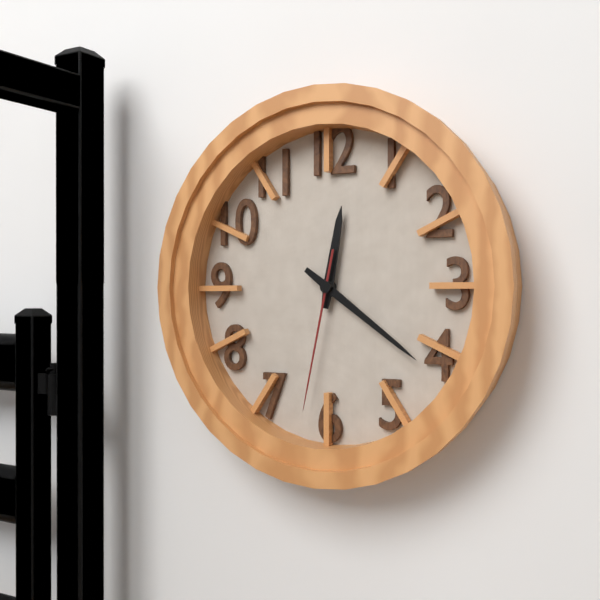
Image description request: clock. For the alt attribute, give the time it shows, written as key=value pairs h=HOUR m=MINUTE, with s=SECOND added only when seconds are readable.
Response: h=12 m=21 s=32
